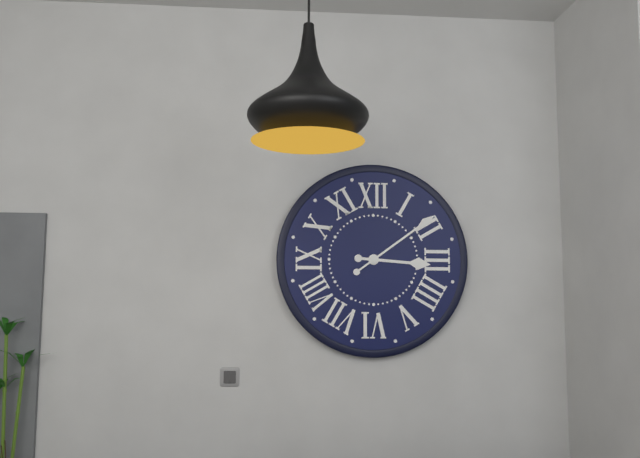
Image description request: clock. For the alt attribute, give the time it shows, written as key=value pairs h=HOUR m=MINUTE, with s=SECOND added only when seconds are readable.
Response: h=3 m=9
